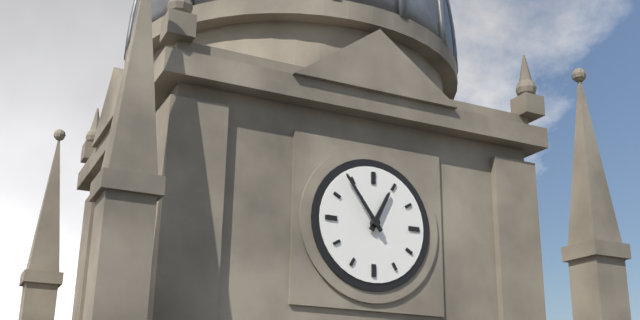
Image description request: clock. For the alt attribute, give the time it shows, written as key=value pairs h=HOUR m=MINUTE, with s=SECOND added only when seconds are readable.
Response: h=12 m=54
